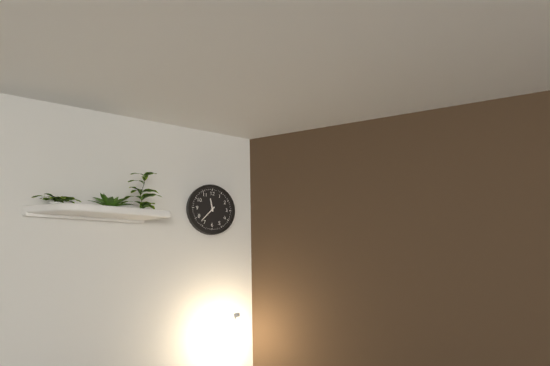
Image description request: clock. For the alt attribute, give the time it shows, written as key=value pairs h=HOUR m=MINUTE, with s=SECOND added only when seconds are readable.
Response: h=11 m=37
